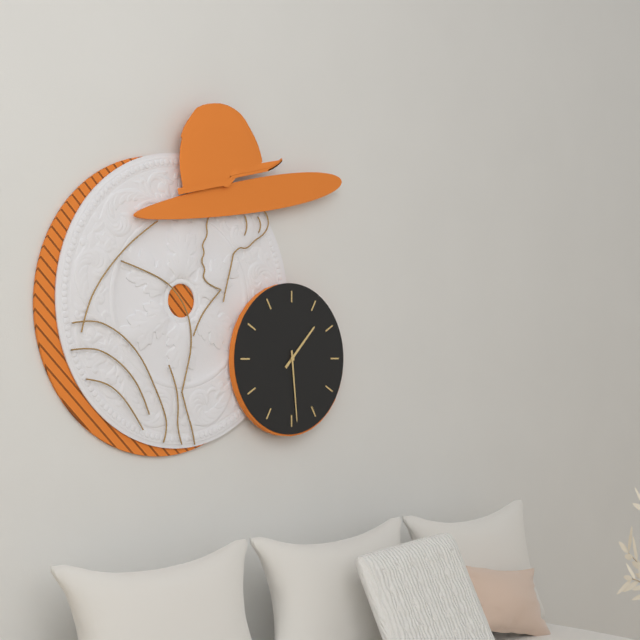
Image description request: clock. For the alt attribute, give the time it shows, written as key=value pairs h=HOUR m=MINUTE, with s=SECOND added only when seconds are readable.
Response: h=1 m=29
